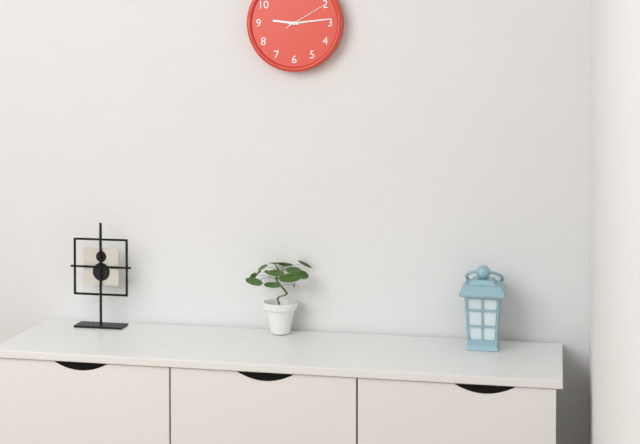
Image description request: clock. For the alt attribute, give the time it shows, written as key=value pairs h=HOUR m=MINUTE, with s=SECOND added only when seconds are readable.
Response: h=9 m=14
